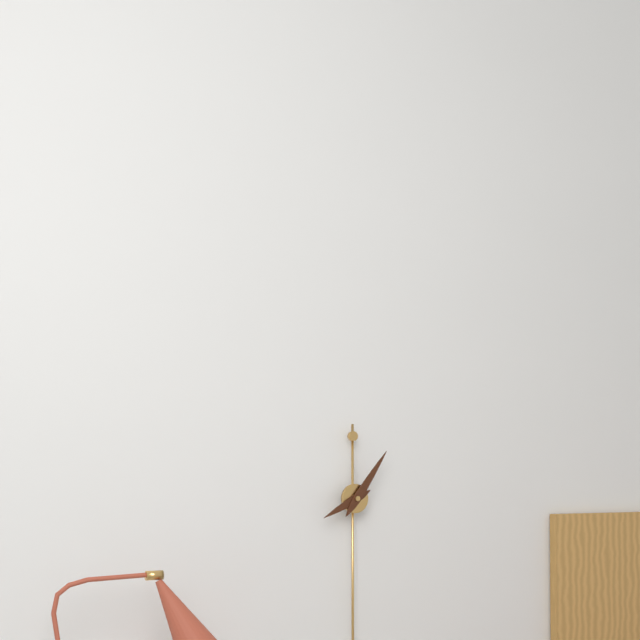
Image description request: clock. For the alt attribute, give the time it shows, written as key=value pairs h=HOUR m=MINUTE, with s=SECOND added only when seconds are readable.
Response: h=8 m=6
